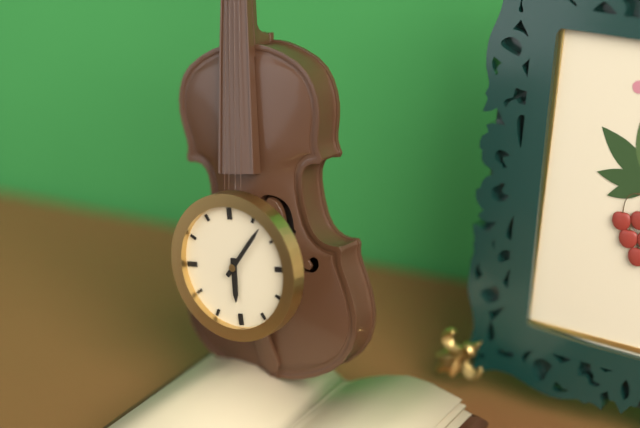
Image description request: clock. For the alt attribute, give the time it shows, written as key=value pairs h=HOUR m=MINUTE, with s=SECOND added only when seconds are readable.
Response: h=6 m=7
